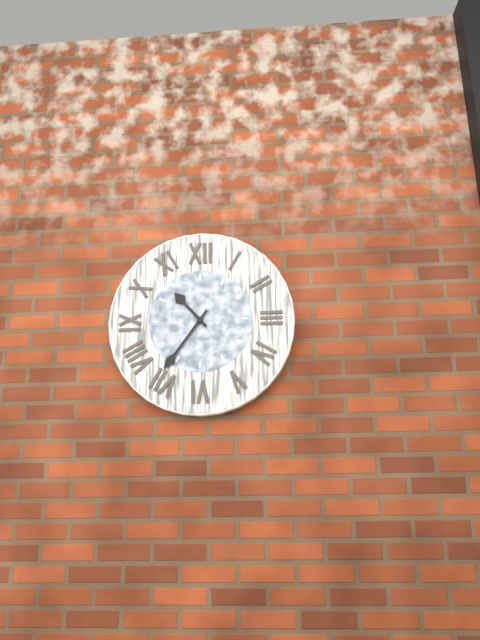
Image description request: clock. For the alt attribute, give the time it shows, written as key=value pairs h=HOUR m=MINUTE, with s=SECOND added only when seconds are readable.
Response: h=10 m=36
